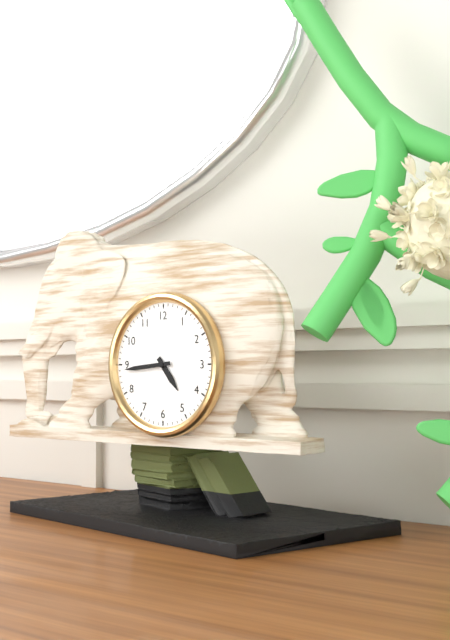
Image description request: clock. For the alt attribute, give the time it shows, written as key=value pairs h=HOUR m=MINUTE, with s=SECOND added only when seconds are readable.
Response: h=4 m=44
